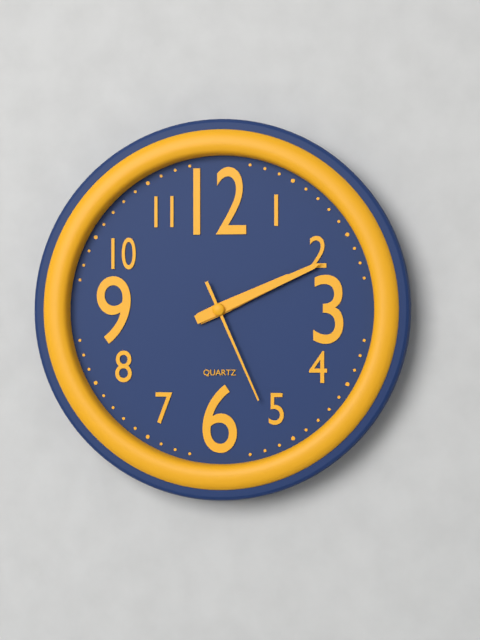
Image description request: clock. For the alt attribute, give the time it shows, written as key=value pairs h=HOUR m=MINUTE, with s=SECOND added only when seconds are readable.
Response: h=2 m=11 s=26
